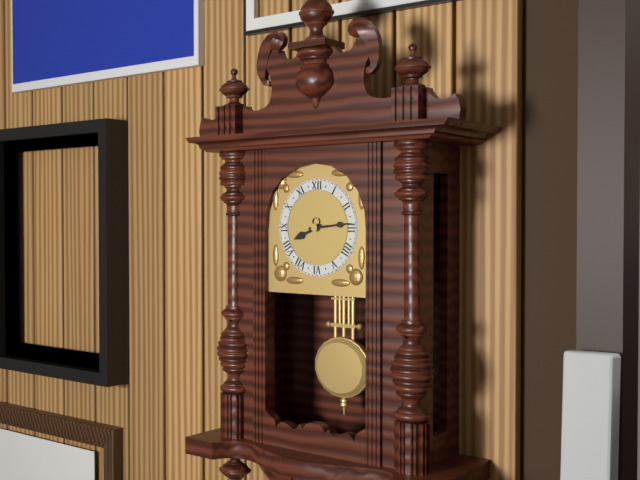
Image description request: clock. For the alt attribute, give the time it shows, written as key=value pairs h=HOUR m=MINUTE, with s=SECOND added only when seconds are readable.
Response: h=8 m=14
